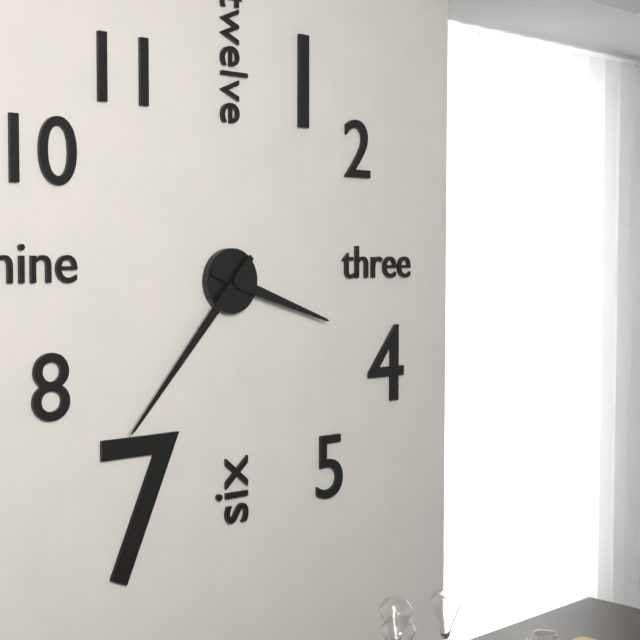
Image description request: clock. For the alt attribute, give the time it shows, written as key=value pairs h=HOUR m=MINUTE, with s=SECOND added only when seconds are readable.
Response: h=3 m=37
